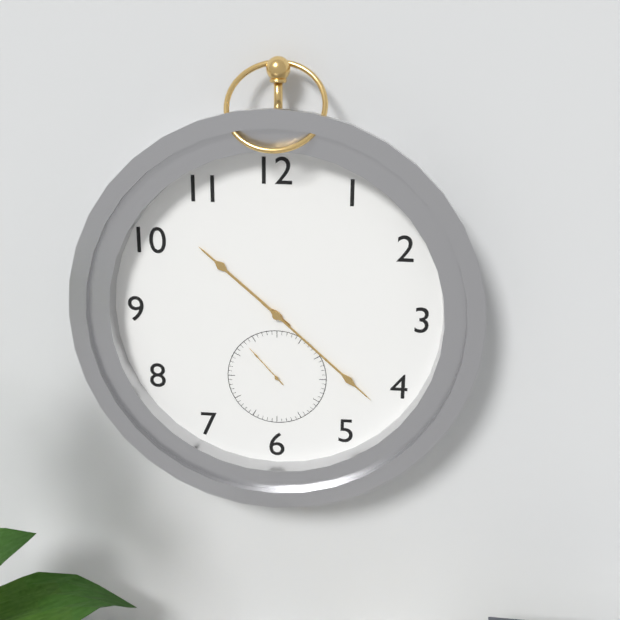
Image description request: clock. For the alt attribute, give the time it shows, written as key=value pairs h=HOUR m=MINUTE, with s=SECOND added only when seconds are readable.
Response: h=10 m=22
